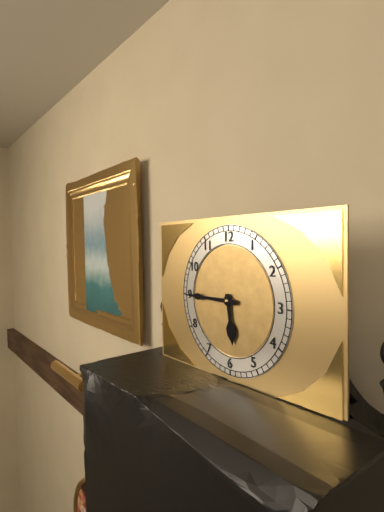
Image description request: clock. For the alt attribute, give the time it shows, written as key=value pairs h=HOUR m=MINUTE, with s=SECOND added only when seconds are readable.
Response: h=5 m=45
